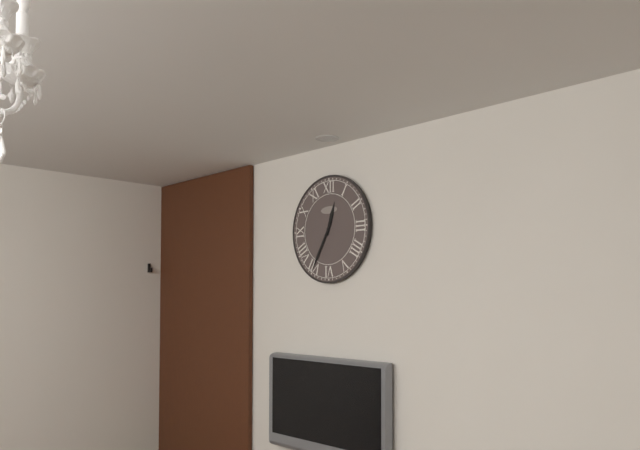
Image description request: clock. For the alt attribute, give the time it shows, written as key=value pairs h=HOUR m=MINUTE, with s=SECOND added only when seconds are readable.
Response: h=12 m=35
